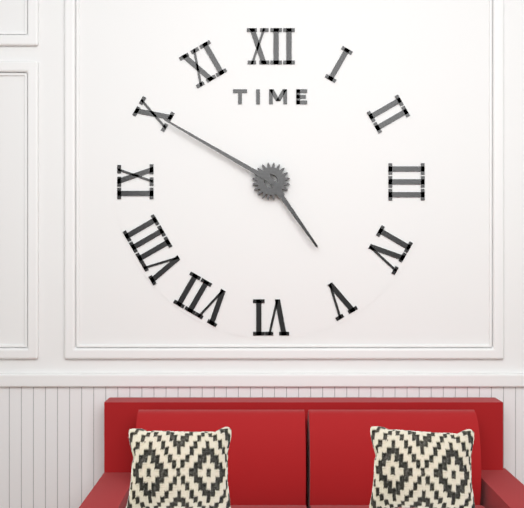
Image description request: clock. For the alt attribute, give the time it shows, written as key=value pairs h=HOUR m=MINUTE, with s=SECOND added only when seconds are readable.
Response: h=4 m=50
